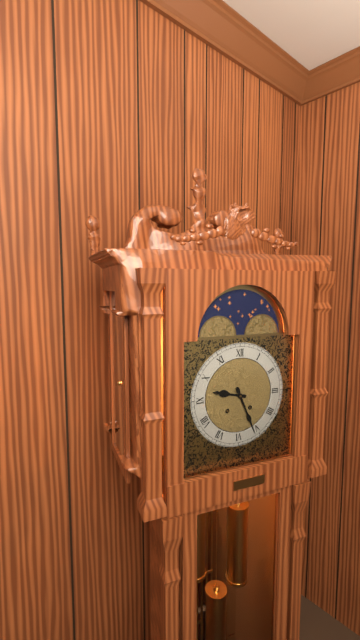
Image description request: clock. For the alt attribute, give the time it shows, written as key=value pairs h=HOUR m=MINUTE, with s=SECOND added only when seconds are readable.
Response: h=9 m=26
